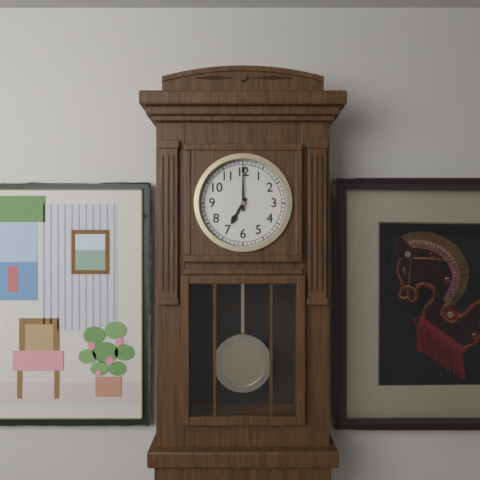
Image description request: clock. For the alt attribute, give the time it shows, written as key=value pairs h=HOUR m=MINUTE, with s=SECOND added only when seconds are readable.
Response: h=7 m=0
